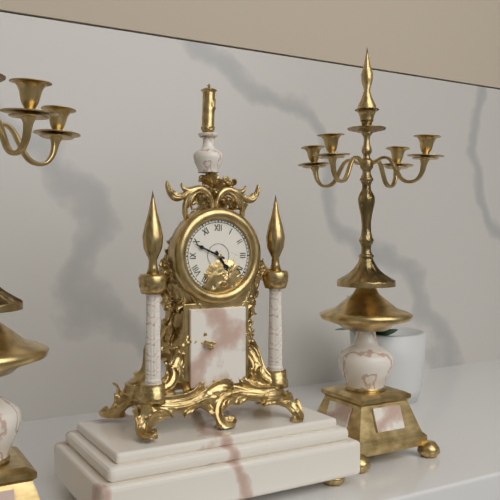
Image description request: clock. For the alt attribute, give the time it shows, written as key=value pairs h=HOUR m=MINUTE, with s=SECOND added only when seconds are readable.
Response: h=4 m=49
